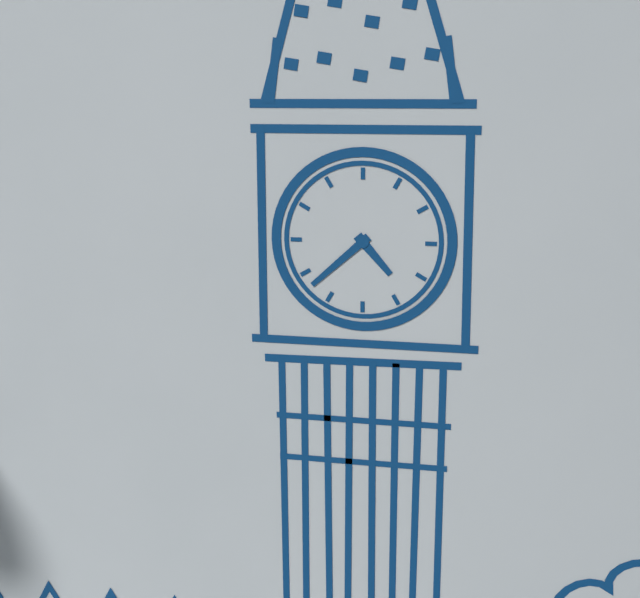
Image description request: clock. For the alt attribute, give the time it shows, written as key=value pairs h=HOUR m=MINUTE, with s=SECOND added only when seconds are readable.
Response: h=4 m=38
